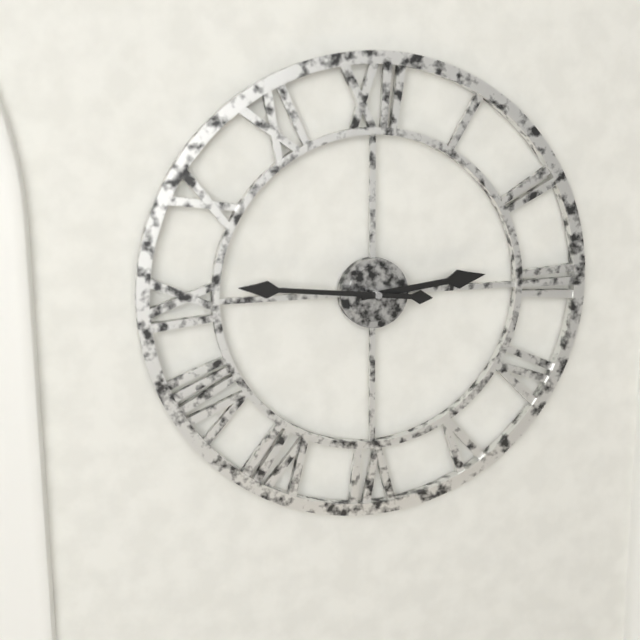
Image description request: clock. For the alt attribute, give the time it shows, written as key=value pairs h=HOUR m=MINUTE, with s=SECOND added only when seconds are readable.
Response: h=2 m=46
